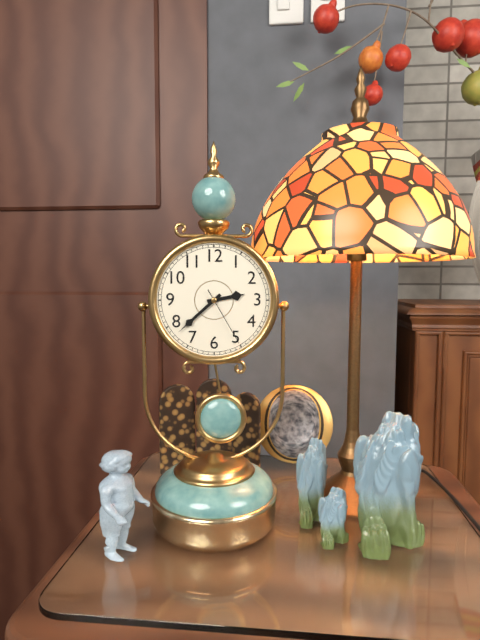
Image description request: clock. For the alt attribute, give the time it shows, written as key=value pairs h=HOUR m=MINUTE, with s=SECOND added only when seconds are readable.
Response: h=2 m=38 s=25
